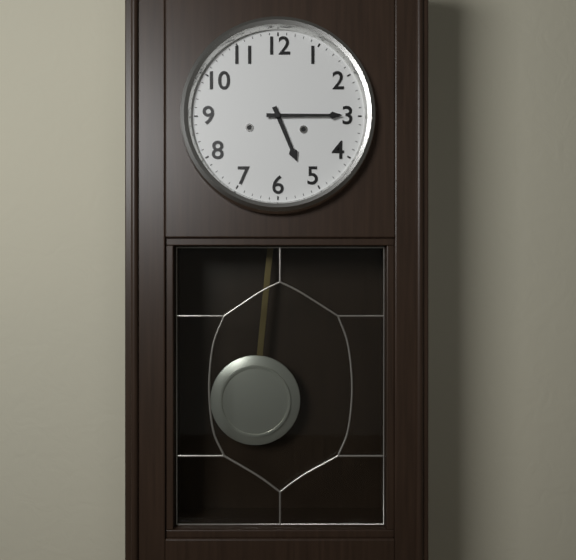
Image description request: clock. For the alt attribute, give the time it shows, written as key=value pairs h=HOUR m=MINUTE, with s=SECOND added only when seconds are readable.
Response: h=5 m=15
